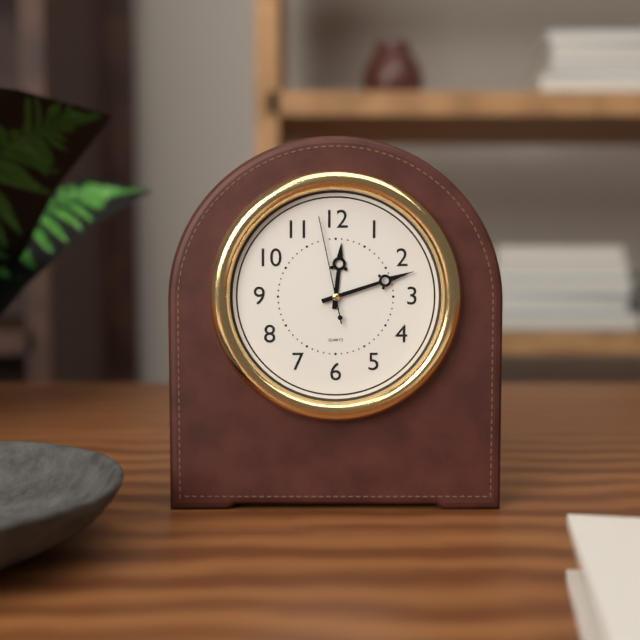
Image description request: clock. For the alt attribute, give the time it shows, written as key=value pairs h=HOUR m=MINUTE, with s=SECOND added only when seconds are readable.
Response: h=12 m=12 s=58
